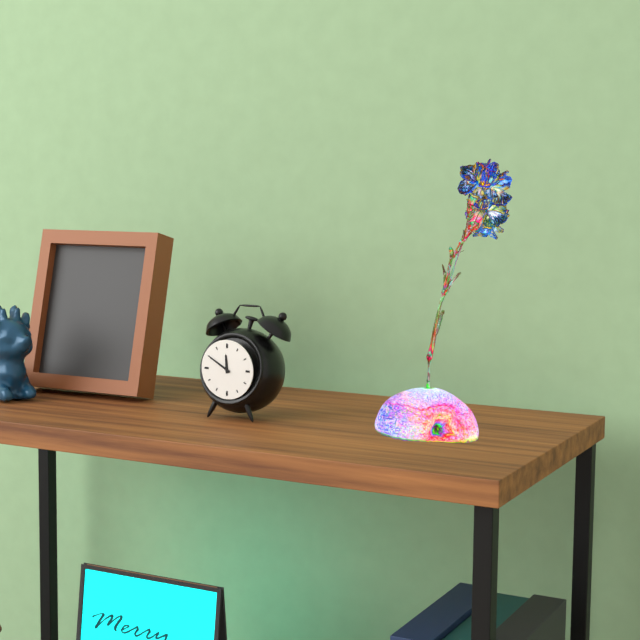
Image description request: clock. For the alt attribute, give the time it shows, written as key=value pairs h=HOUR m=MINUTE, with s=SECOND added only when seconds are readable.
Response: h=11 m=50
